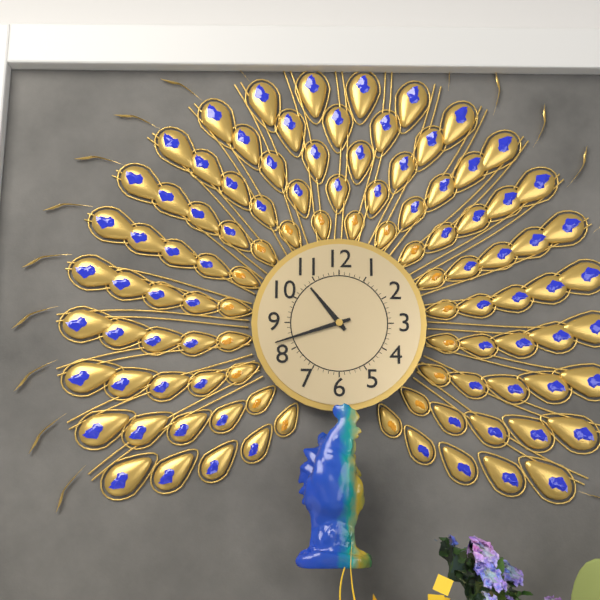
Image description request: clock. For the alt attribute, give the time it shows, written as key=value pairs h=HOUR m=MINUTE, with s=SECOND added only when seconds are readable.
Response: h=10 m=42
